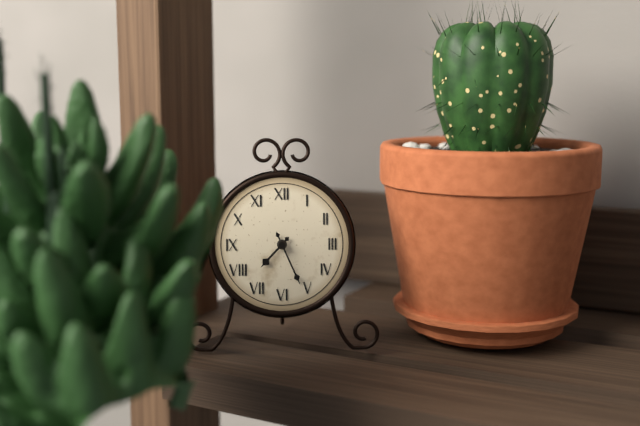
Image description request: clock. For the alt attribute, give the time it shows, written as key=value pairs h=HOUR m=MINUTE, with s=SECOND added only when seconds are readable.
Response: h=7 m=26
